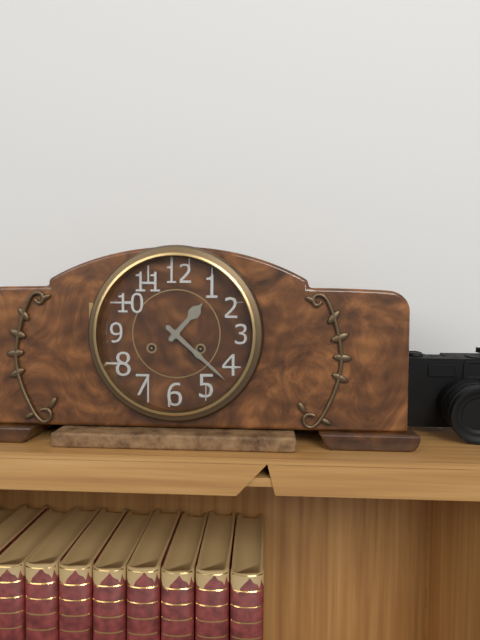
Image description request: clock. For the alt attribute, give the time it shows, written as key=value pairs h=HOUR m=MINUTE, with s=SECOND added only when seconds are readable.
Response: h=1 m=22
